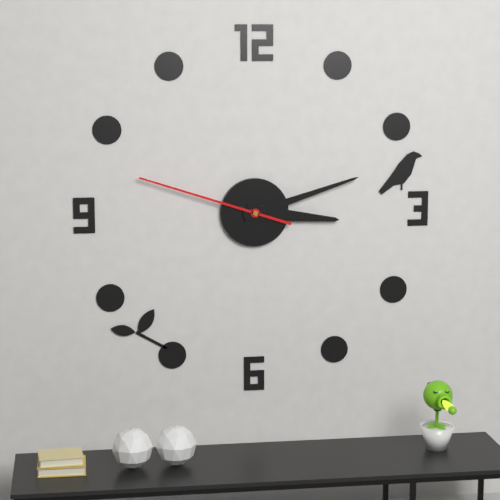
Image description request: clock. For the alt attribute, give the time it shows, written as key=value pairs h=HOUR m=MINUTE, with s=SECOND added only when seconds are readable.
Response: h=3 m=12 s=48
